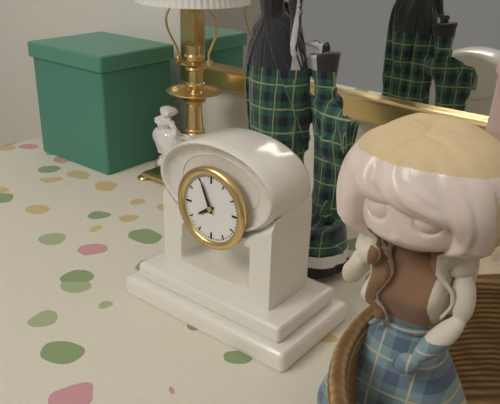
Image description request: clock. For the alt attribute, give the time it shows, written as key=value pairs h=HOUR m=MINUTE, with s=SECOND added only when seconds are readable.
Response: h=7 m=56
